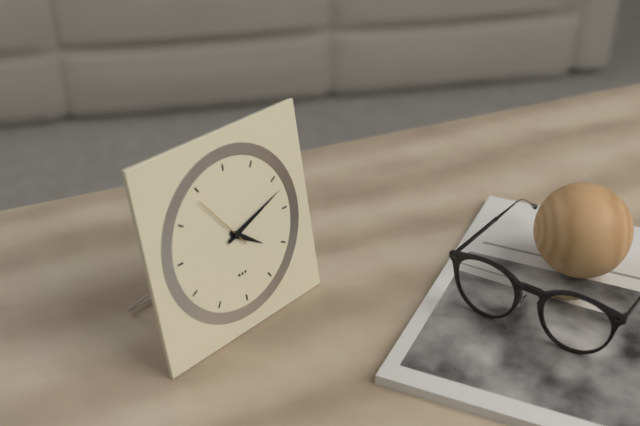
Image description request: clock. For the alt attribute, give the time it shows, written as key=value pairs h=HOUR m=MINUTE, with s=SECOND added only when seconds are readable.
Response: h=4 m=12 s=54
